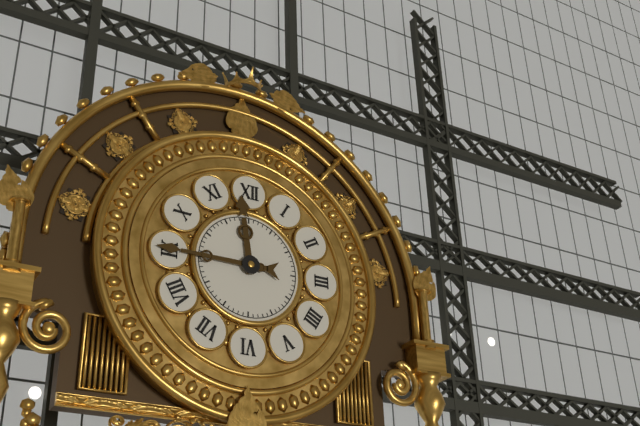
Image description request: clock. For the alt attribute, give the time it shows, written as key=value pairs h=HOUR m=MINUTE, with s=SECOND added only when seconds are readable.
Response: h=11 m=45
